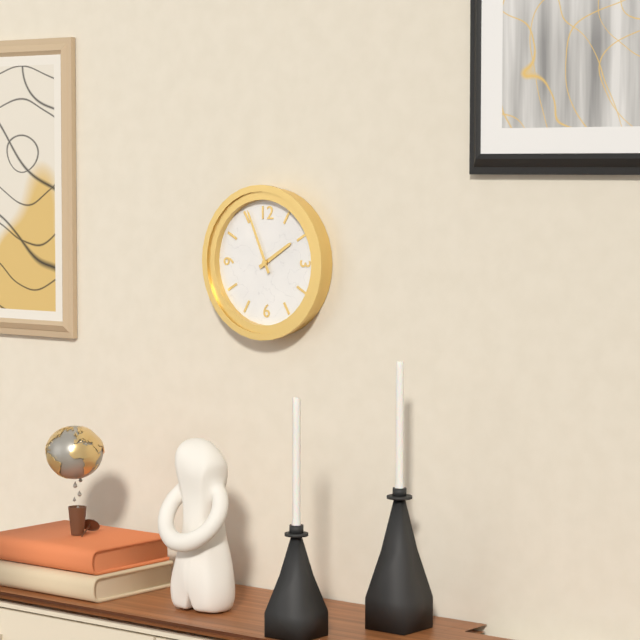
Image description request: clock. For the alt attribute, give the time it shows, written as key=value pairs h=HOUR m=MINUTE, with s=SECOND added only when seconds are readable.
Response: h=1 m=56
